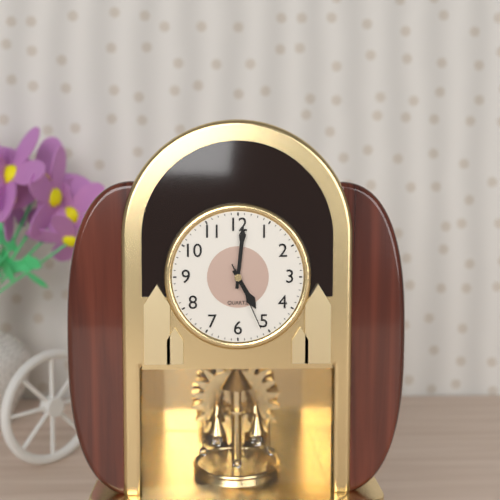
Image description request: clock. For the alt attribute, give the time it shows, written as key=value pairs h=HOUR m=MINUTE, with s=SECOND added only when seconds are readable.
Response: h=5 m=1 s=26
